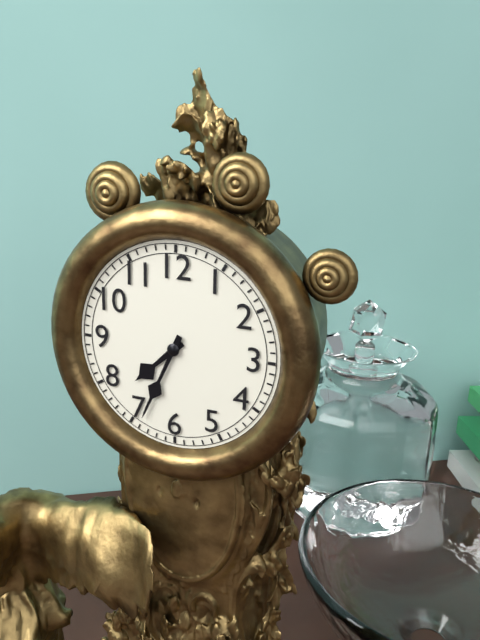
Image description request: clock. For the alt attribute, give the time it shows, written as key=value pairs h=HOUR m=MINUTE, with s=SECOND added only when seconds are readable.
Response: h=7 m=34
